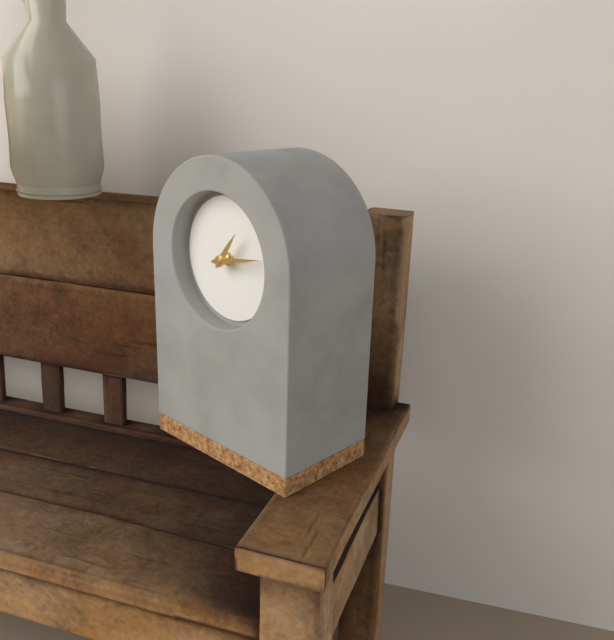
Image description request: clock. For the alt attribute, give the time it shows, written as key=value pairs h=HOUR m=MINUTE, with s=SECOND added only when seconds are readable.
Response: h=1 m=13
